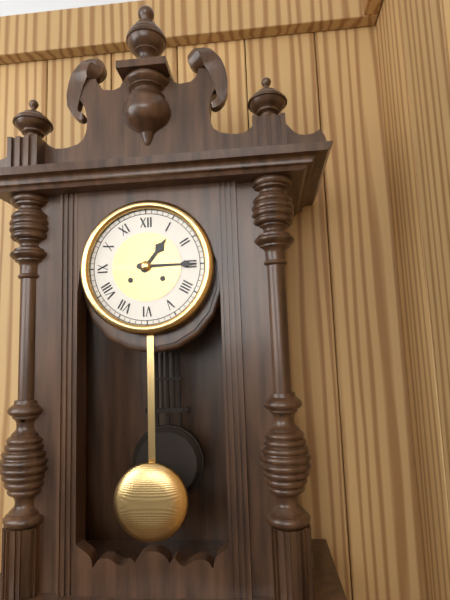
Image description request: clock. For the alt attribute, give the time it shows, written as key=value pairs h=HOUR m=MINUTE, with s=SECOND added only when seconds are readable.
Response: h=1 m=15
